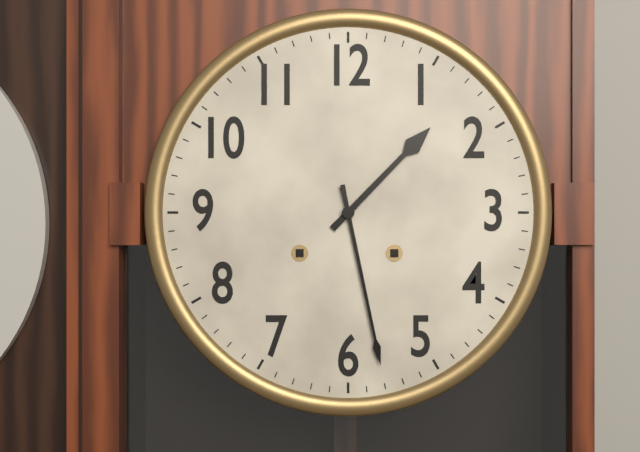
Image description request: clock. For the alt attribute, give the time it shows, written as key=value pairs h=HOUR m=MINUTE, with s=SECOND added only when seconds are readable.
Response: h=1 m=28
